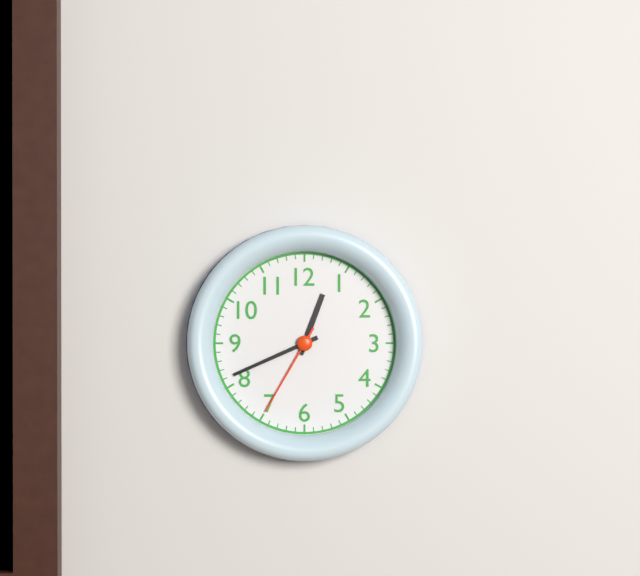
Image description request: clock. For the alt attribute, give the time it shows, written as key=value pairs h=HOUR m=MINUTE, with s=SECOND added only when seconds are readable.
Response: h=12 m=41 s=35
